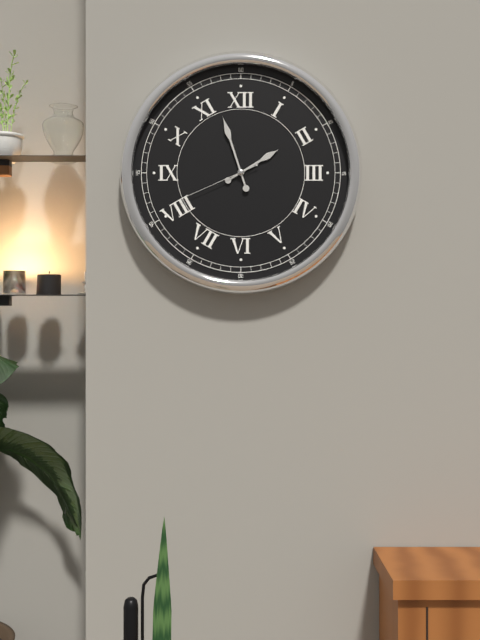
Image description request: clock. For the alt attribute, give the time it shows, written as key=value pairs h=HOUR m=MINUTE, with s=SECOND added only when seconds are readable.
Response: h=1 m=57 s=41
